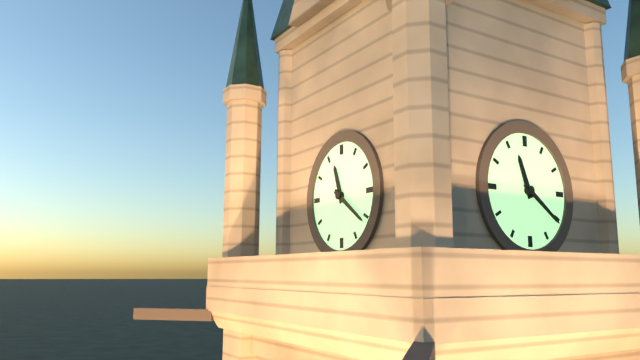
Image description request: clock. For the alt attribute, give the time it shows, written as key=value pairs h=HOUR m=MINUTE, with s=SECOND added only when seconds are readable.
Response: h=11 m=21
